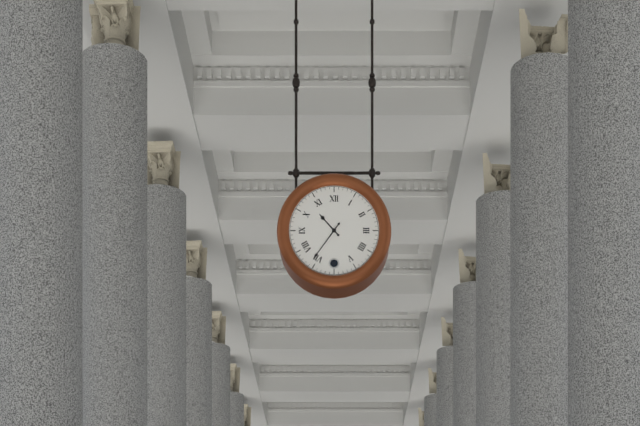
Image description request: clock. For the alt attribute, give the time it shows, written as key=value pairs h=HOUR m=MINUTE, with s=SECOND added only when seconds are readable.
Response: h=10 m=36
